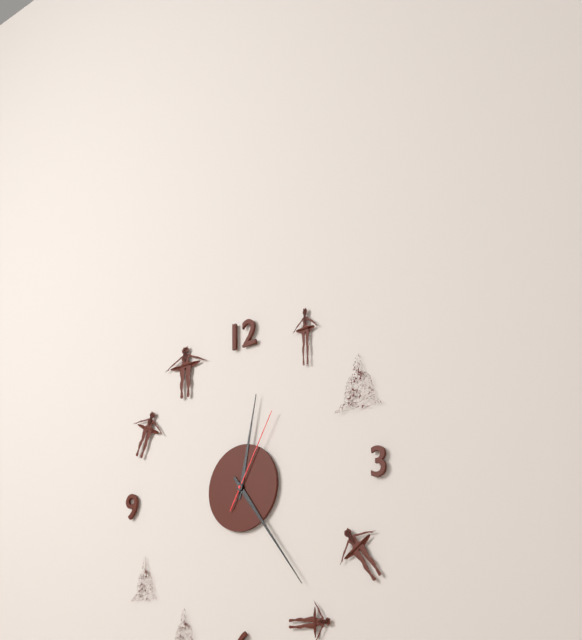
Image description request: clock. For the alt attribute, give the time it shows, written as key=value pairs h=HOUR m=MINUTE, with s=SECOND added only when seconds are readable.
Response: h=12 m=24 s=5
